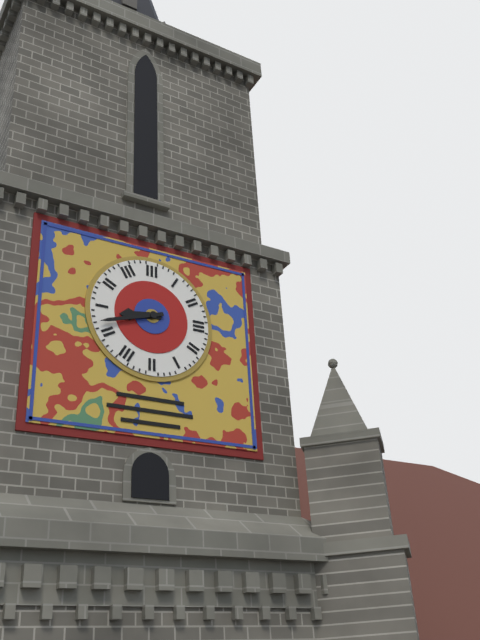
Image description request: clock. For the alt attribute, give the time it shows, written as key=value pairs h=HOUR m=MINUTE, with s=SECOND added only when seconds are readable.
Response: h=8 m=42
